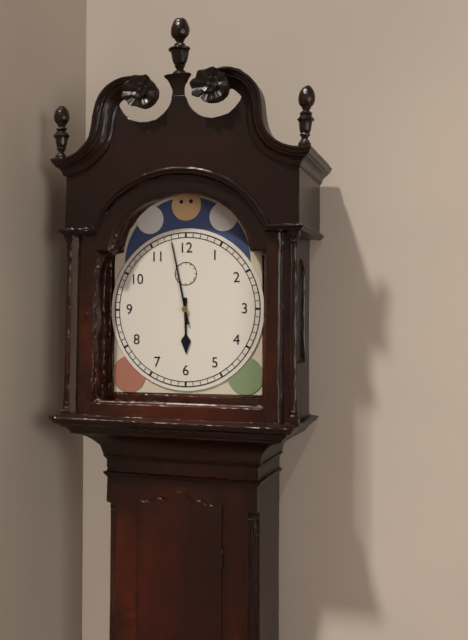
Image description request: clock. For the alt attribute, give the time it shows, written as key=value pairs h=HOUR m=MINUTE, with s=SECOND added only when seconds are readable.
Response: h=5 m=58
